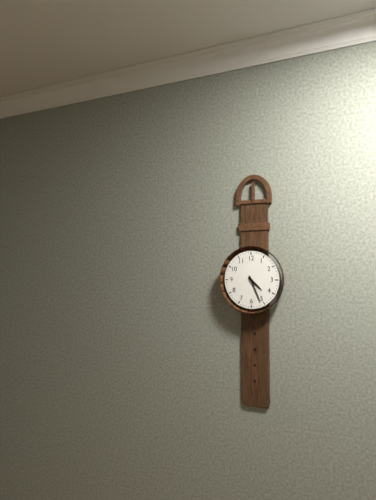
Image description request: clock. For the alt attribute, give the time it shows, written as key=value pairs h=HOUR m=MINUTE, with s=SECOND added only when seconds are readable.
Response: h=4 m=26
